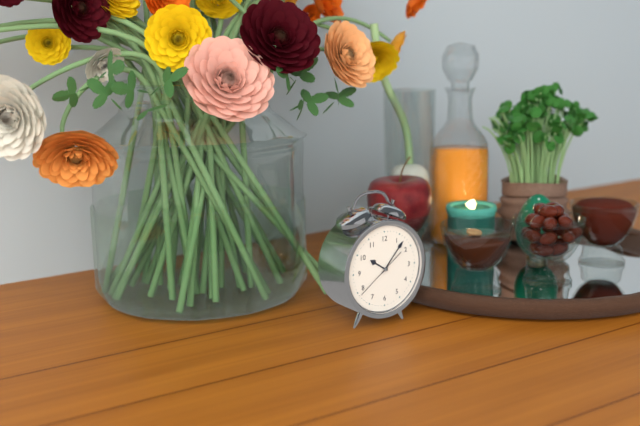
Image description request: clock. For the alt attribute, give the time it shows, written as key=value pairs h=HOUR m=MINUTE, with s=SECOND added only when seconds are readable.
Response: h=10 m=7
